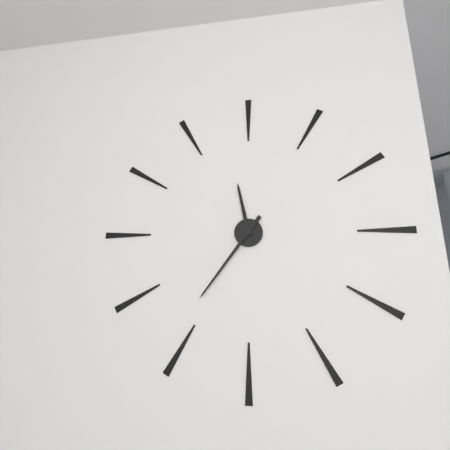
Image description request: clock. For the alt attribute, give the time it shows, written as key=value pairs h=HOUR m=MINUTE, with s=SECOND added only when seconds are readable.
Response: h=11 m=36
